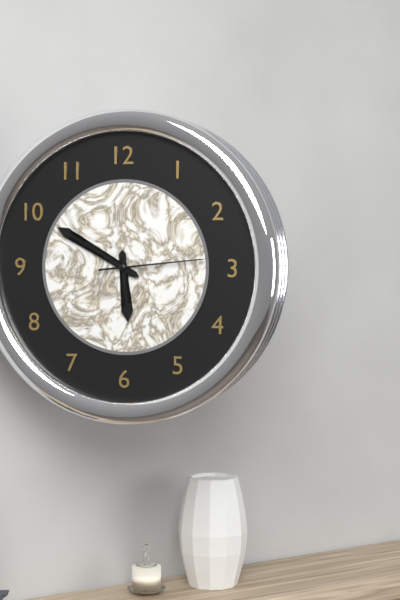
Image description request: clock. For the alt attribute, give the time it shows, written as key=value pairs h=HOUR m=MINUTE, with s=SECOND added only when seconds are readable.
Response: h=5 m=50 s=14
